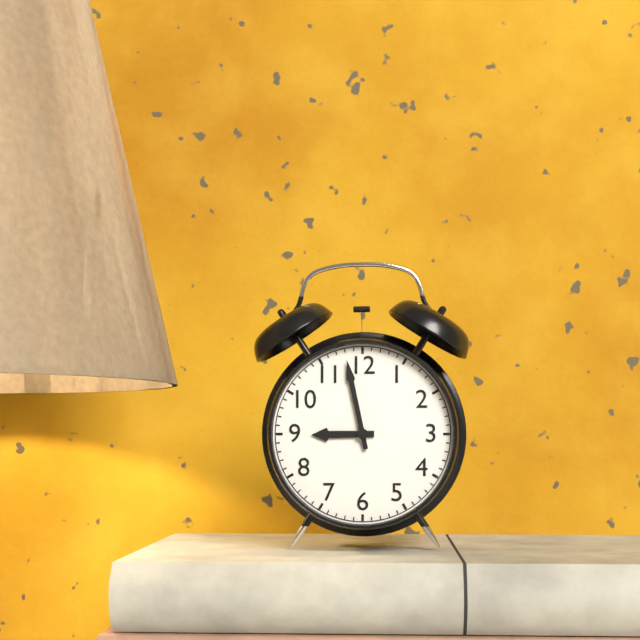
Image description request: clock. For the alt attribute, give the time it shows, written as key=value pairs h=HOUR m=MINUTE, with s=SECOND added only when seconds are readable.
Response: h=8 m=58
